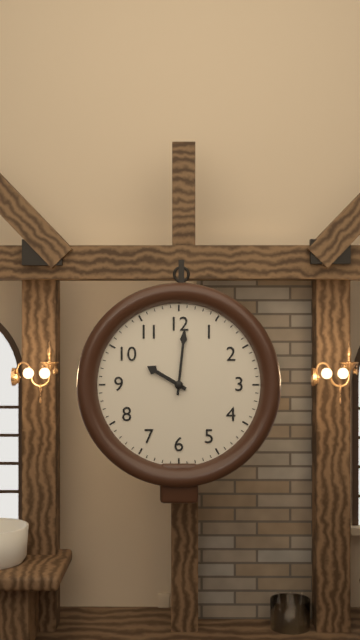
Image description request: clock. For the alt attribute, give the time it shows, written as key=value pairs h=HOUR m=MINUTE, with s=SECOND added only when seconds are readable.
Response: h=10 m=1
